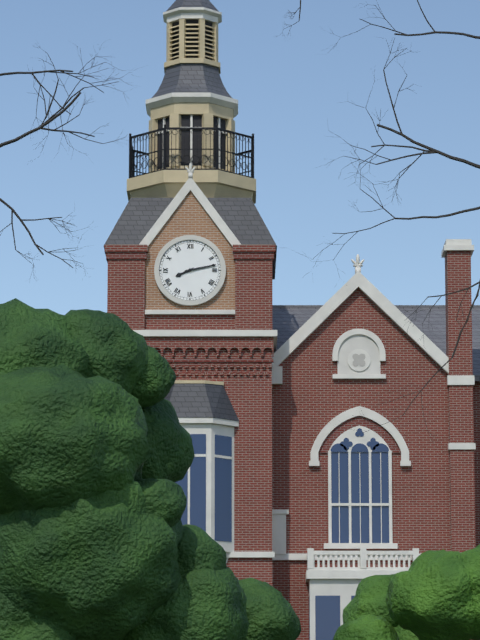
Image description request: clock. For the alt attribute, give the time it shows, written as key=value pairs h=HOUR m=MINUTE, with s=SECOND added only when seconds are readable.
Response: h=8 m=13
